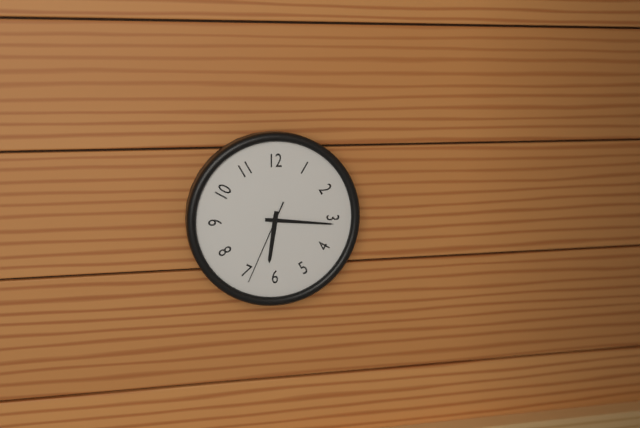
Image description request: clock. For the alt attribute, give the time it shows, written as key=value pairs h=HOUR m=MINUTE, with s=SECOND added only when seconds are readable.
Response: h=6 m=16 s=34
